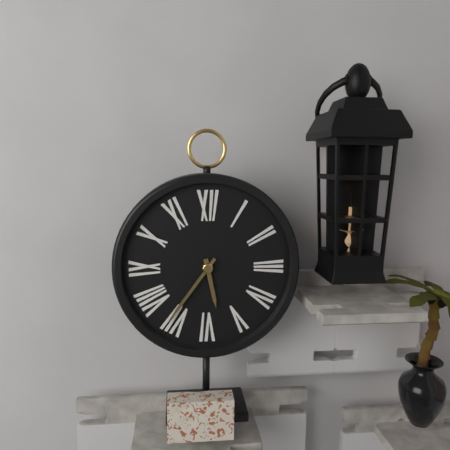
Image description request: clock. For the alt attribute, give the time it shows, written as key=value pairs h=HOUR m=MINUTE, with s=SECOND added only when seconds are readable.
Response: h=5 m=36
